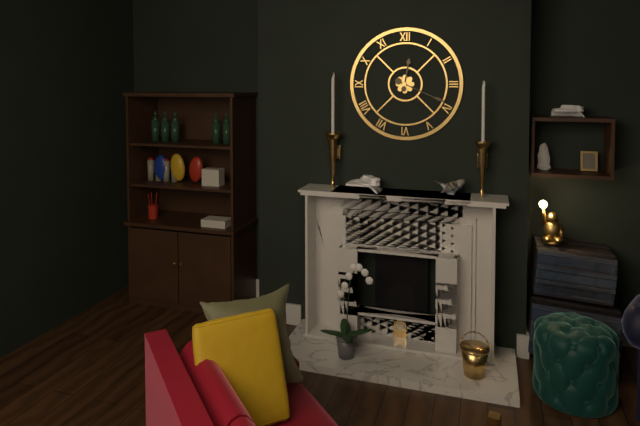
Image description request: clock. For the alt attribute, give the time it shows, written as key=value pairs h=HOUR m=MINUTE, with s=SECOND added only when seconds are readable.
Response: h=12 m=19
